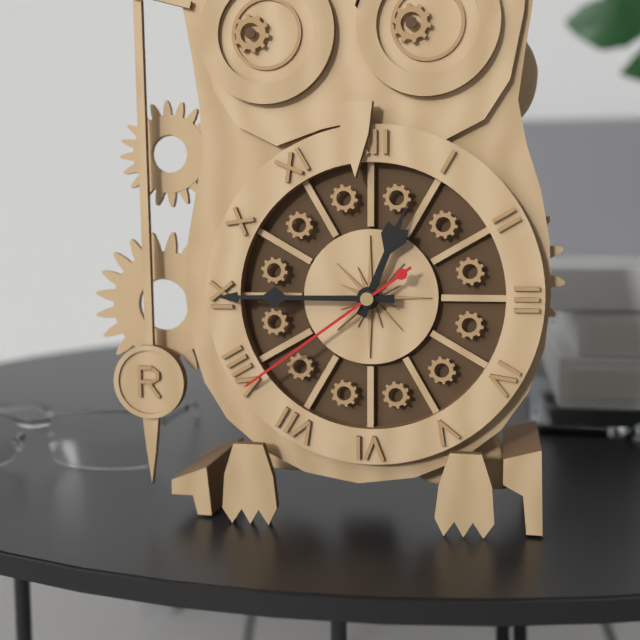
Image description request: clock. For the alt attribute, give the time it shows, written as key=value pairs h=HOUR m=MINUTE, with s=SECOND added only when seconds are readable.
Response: h=12 m=45 s=39
